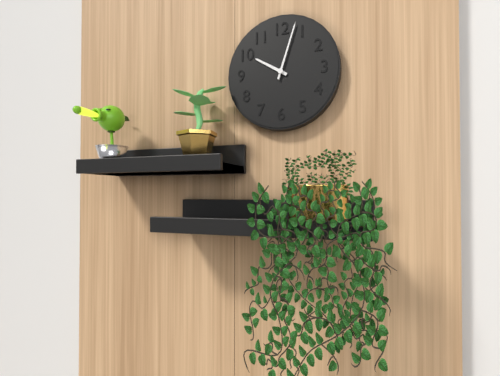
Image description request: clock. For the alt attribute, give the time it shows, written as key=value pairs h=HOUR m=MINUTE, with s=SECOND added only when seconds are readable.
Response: h=10 m=3
